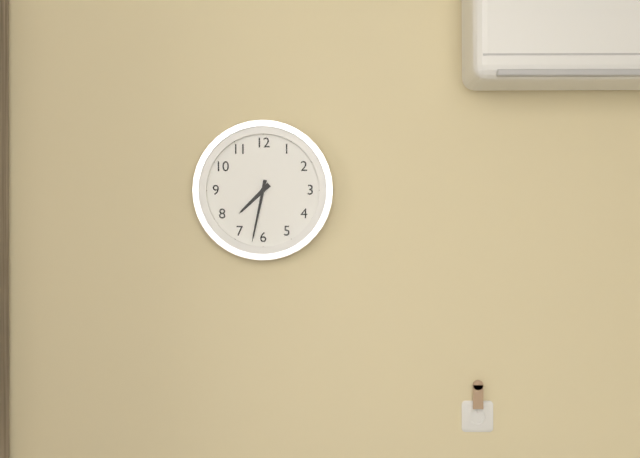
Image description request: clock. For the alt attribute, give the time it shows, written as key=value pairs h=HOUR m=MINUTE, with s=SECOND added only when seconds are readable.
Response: h=7 m=32
